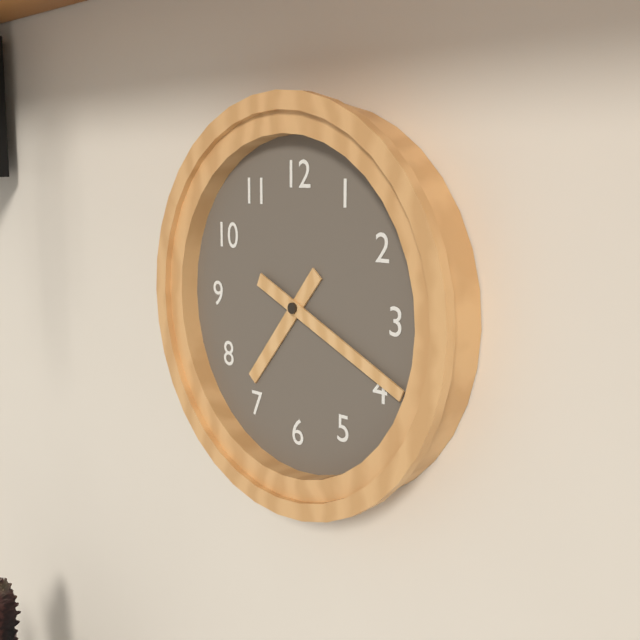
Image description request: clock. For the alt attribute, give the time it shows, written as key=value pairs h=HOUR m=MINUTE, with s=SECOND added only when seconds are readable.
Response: h=7 m=19
